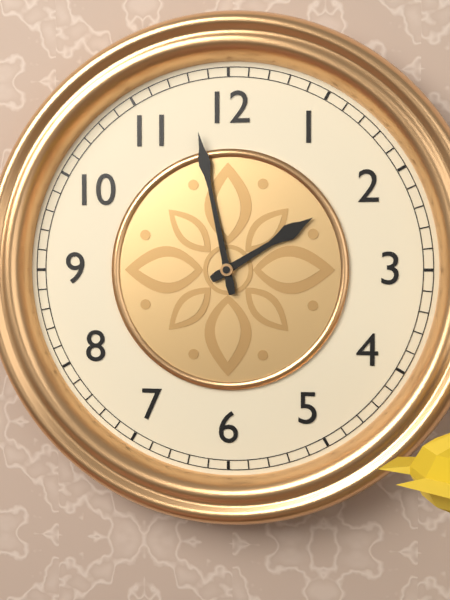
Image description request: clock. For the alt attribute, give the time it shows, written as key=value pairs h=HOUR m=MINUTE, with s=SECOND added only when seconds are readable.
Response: h=1 m=58
